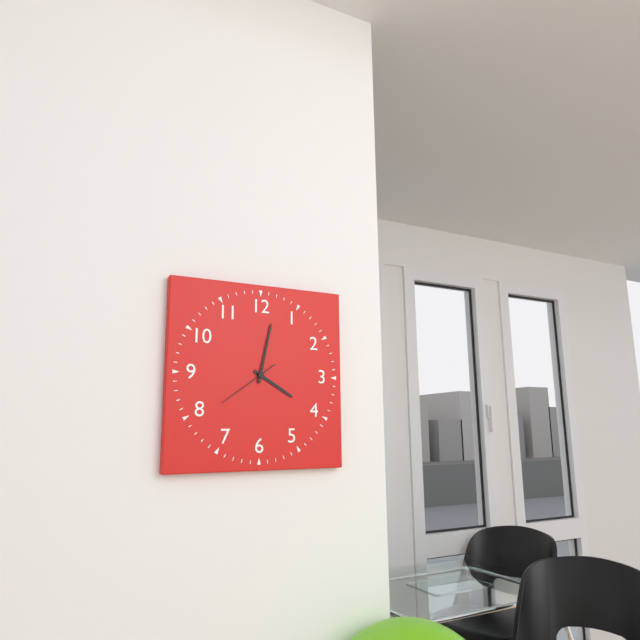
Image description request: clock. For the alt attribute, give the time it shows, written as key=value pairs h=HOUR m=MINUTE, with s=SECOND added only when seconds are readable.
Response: h=4 m=2 s=39
